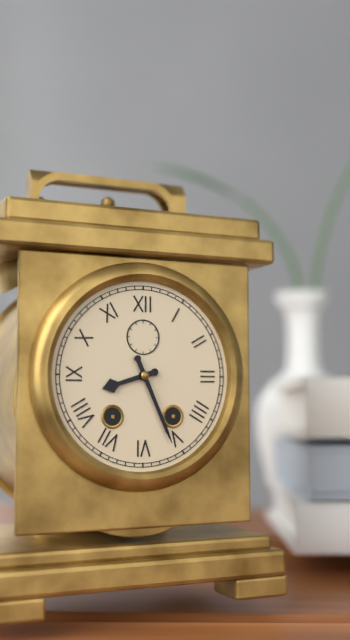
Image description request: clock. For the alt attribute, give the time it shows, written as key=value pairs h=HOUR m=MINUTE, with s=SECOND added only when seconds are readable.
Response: h=8 m=26
